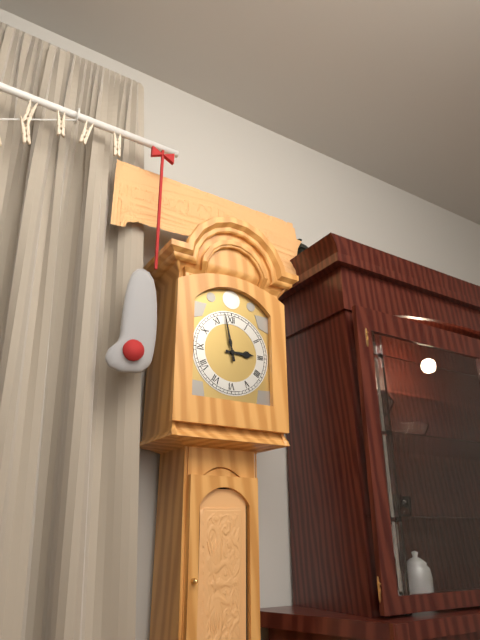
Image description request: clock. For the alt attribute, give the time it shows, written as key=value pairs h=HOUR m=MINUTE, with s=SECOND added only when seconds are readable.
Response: h=2 m=58
